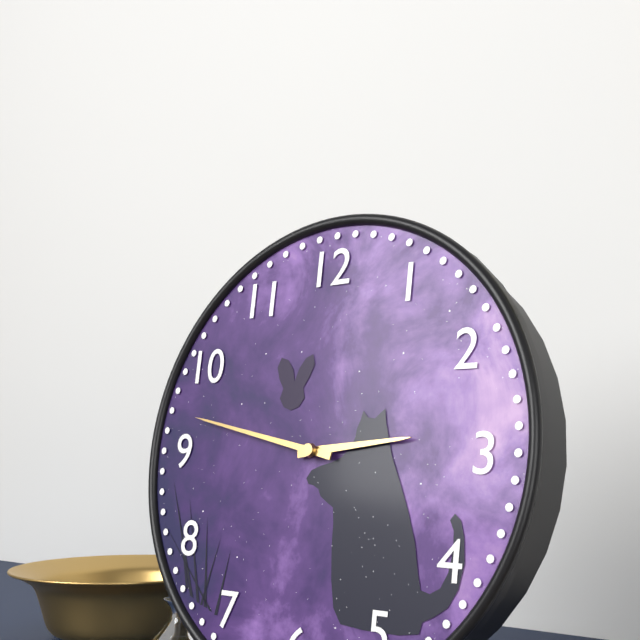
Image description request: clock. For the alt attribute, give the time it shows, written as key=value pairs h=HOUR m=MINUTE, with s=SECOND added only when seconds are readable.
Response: h=2 m=47
